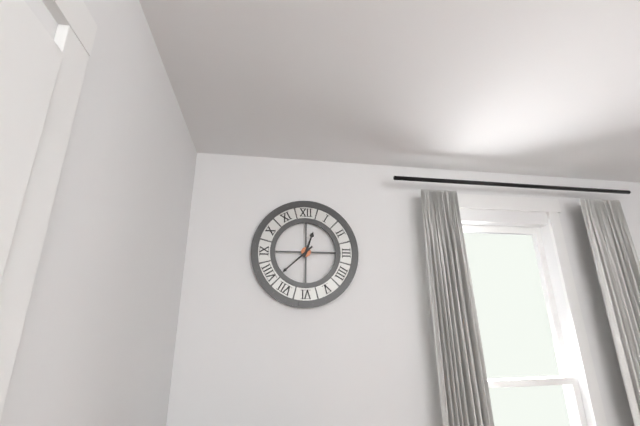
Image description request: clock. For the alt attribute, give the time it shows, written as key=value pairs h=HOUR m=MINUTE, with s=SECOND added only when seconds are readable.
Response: h=12 m=38
